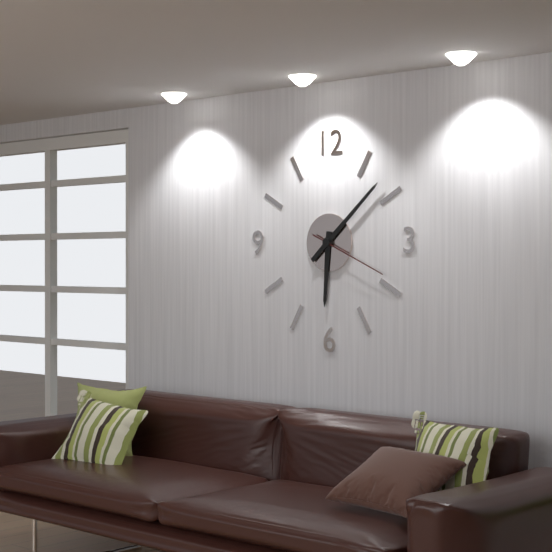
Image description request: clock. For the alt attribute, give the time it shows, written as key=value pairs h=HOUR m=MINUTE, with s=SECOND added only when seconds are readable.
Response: h=6 m=8 s=19
